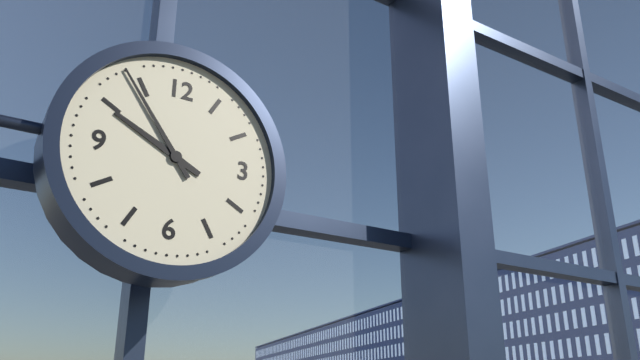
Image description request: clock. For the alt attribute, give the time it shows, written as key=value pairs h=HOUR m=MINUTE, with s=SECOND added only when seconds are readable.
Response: h=9 m=54
